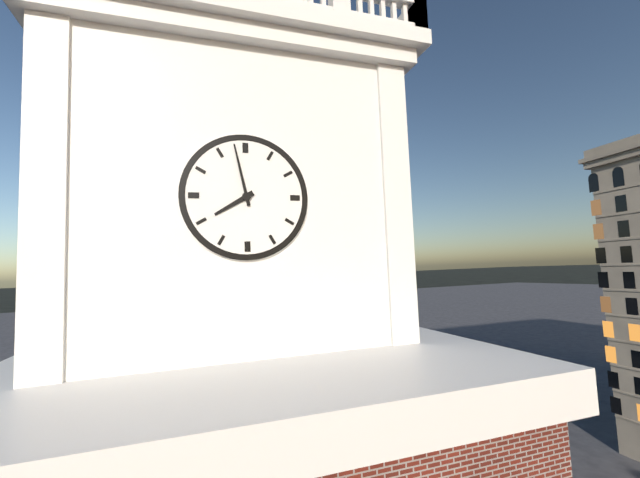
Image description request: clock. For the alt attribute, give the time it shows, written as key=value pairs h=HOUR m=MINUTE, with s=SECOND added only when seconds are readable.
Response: h=7 m=58
